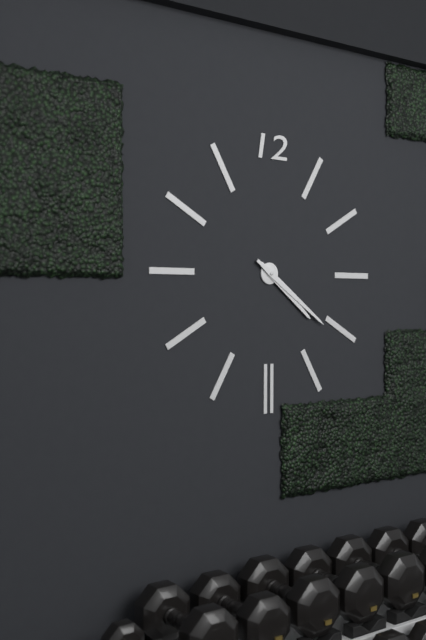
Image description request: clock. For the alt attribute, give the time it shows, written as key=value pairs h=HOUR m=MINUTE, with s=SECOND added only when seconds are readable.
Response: h=4 m=21
